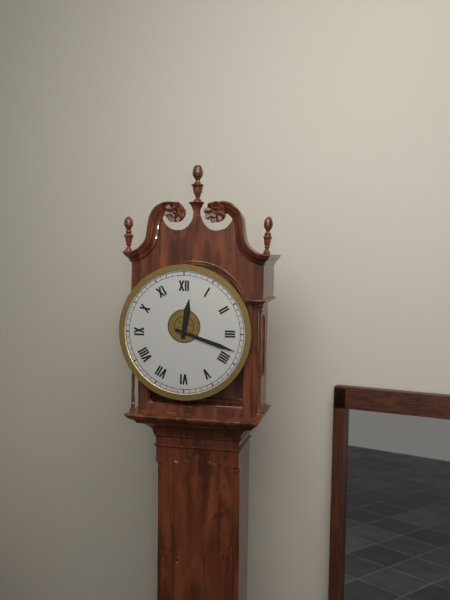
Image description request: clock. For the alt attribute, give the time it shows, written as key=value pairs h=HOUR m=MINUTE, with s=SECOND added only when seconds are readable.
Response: h=12 m=18
